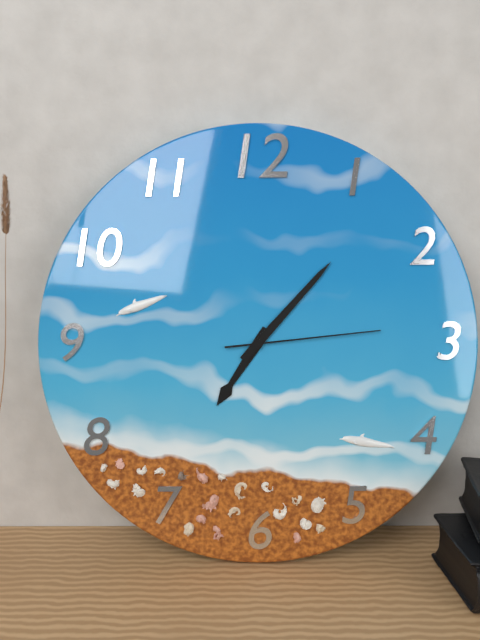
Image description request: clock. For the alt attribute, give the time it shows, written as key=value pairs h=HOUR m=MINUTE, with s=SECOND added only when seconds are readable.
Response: h=7 m=7 s=14
